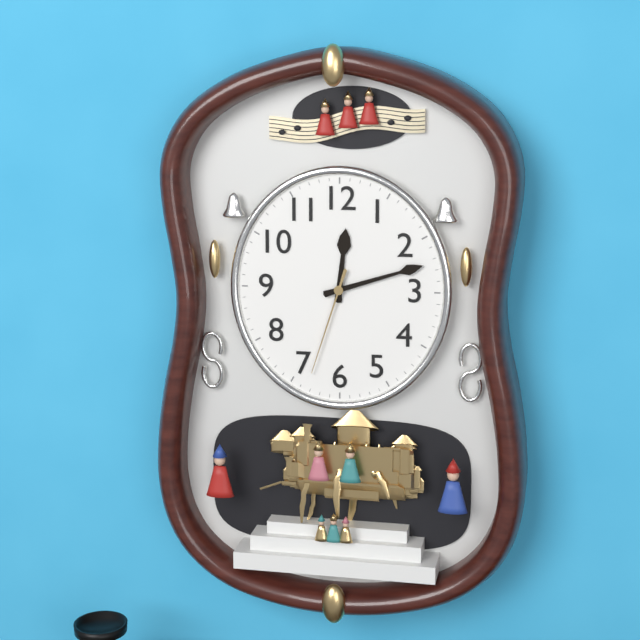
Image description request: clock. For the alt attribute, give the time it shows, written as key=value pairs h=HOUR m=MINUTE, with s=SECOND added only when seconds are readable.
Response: h=12 m=12 s=33
